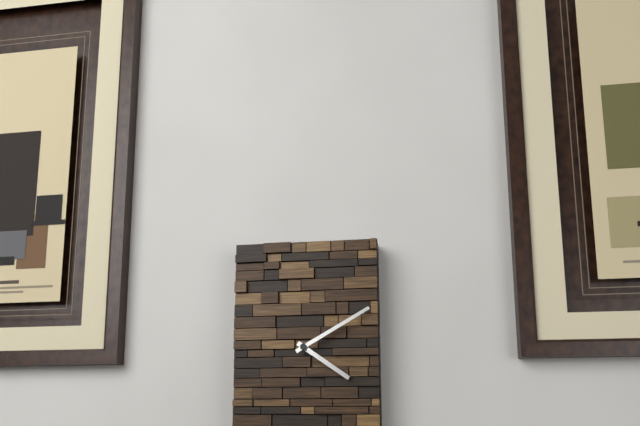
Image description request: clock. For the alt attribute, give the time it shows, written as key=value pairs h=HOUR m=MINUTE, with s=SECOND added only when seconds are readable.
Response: h=4 m=10
